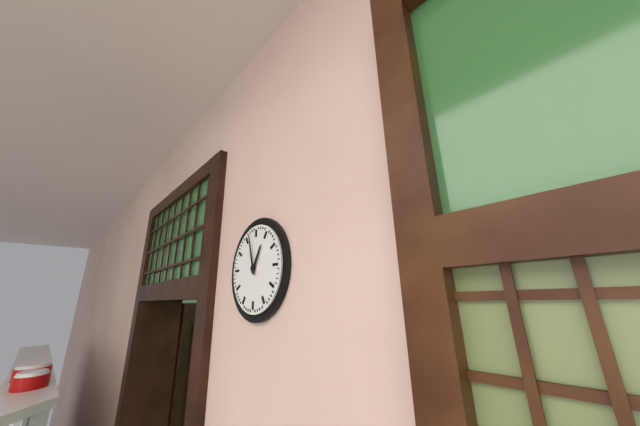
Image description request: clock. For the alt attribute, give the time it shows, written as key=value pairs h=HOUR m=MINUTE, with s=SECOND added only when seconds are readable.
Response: h=12 m=57
